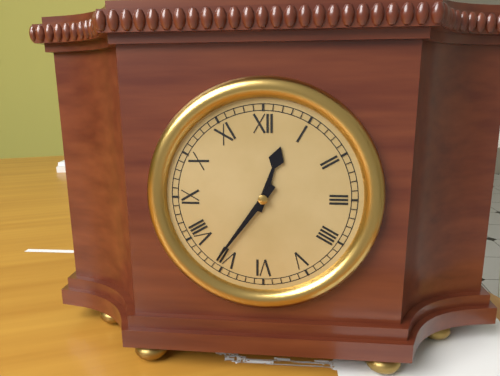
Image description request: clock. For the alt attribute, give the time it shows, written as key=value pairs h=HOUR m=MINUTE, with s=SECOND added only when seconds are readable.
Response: h=12 m=36
